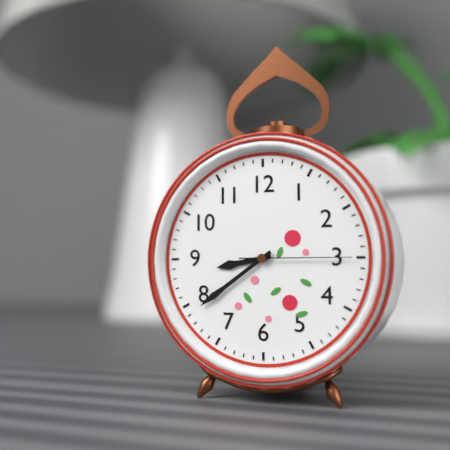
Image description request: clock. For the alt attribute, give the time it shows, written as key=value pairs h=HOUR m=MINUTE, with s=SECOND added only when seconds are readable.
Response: h=8 m=39 s=15
